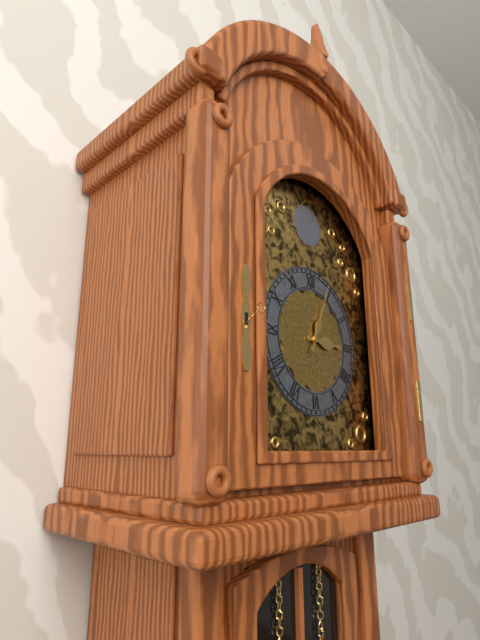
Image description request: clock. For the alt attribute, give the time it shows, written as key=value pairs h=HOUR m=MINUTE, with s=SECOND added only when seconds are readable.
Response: h=3 m=4
